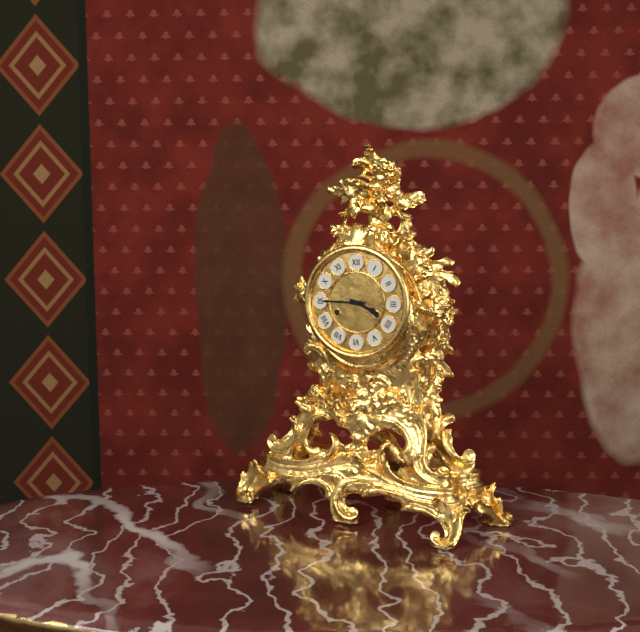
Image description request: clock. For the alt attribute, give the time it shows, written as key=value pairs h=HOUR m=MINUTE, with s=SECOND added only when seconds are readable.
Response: h=3 m=45
